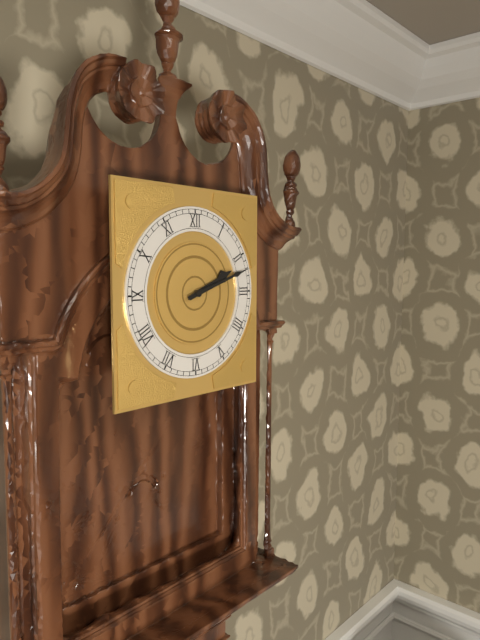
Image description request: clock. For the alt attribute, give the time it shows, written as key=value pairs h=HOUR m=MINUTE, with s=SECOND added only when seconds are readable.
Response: h=2 m=12
